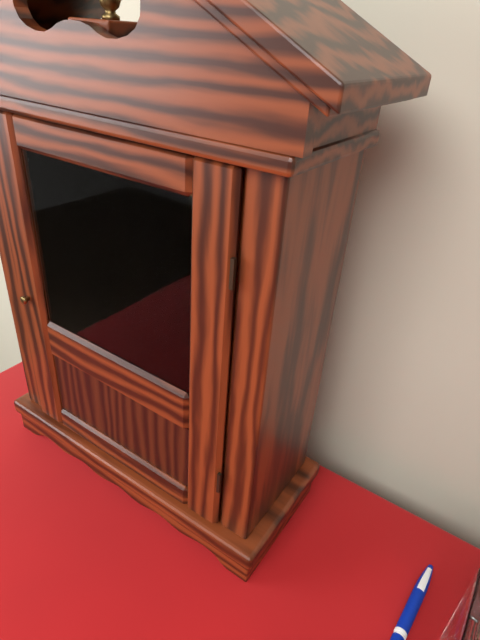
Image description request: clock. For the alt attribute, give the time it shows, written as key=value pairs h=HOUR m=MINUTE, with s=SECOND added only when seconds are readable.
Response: h=6 m=34
